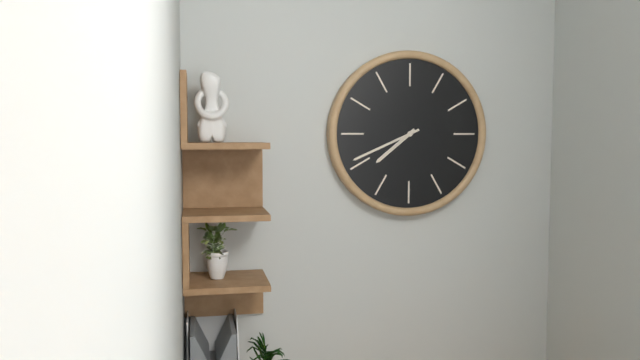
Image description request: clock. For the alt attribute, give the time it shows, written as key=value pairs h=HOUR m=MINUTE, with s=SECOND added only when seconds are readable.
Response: h=7 m=41
